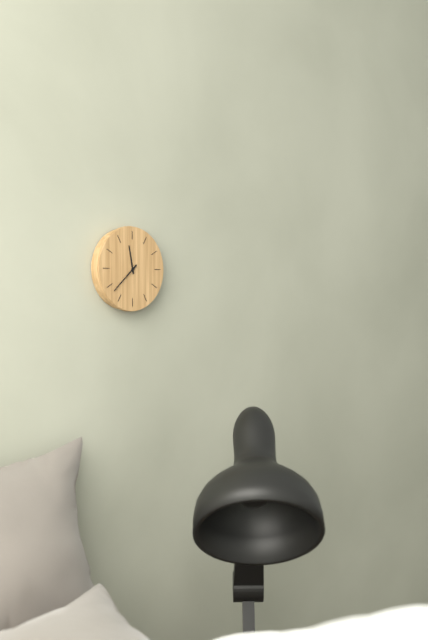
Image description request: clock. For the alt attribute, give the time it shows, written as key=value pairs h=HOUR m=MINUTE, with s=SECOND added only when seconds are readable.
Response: h=11 m=38
